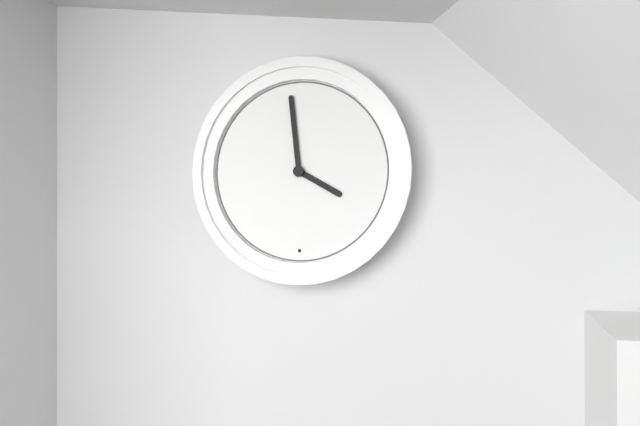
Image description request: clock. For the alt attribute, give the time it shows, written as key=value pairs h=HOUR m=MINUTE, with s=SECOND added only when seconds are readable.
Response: h=3 m=59
